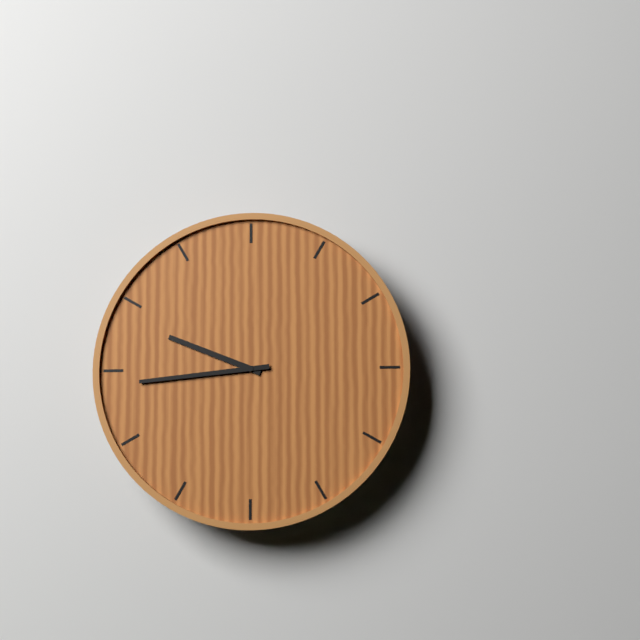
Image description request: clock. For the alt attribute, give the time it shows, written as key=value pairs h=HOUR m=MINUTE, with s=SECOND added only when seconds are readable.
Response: h=9 m=44
